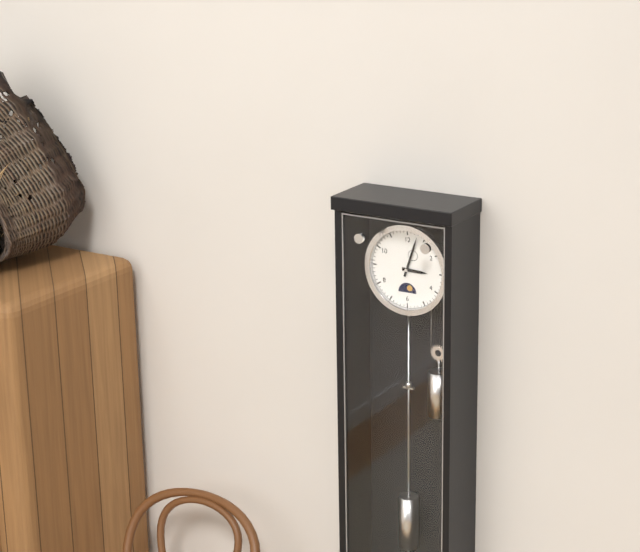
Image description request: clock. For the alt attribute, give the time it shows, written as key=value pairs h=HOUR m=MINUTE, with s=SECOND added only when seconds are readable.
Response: h=3 m=3
